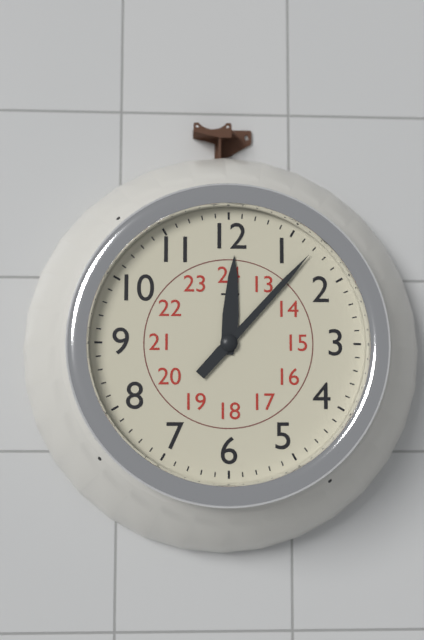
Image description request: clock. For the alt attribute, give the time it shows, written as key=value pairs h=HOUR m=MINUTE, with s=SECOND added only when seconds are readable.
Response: h=12 m=7
